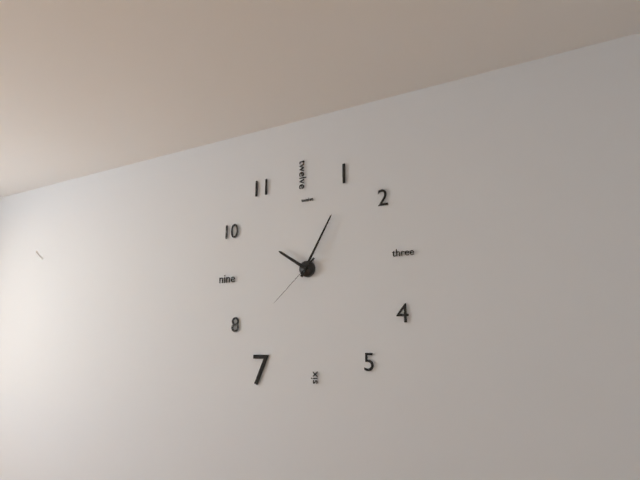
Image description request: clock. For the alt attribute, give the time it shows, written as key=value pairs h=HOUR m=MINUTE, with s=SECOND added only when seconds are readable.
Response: h=10 m=5 s=38
